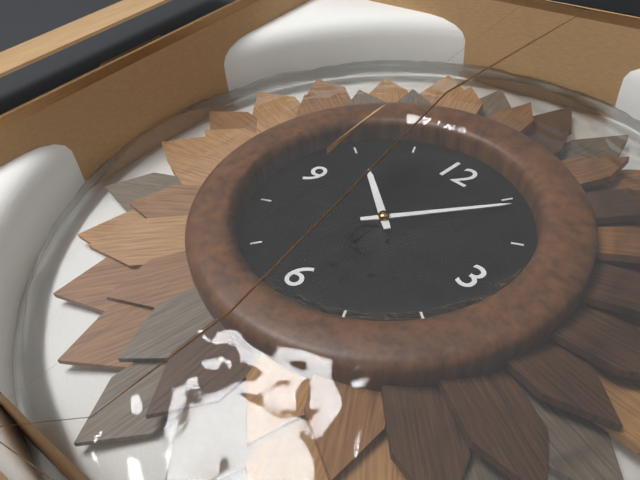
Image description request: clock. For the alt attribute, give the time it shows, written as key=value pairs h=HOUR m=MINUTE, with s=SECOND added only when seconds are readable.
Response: h=10 m=6
